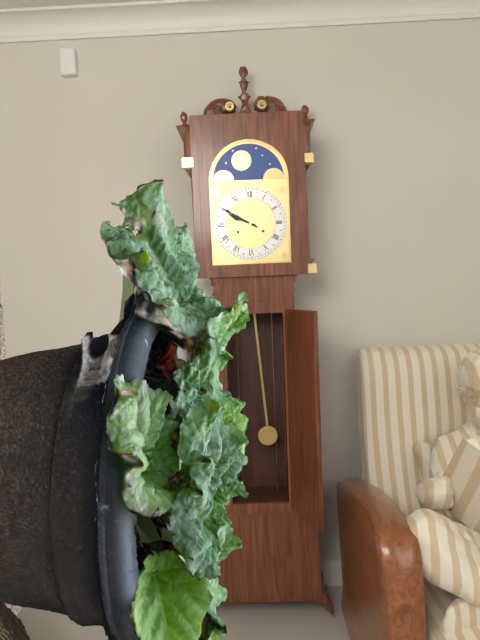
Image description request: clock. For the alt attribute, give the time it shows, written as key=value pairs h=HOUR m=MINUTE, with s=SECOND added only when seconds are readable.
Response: h=9 m=50
